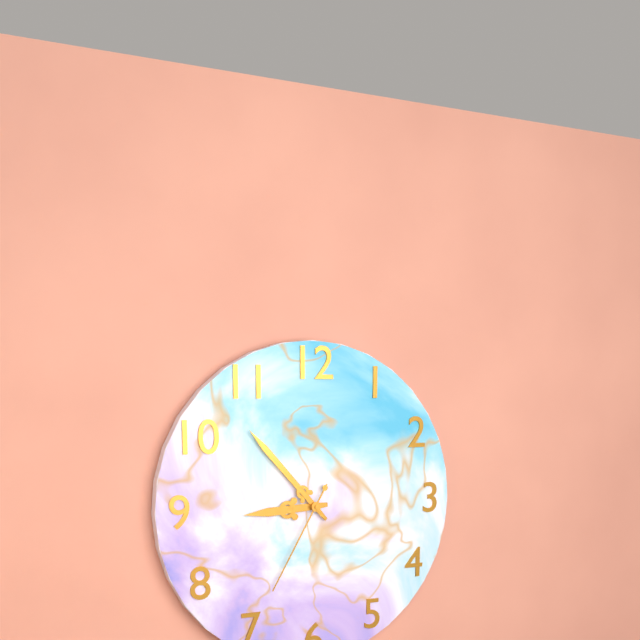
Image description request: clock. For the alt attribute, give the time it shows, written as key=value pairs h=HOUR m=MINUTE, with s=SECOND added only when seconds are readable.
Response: h=8 m=53 s=35
